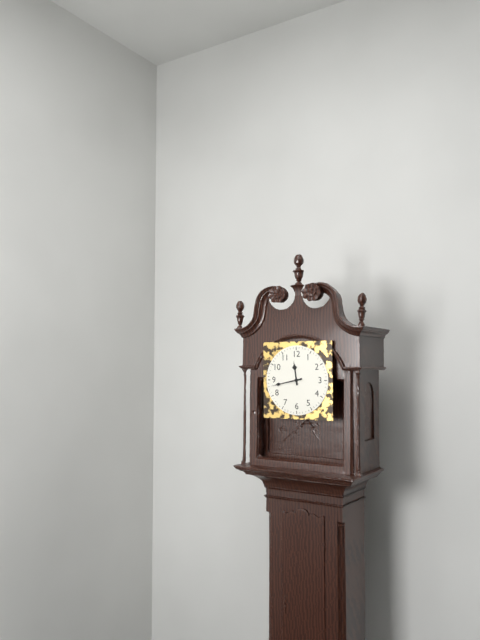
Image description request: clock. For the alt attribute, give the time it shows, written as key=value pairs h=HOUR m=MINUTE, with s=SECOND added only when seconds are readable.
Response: h=11 m=43
